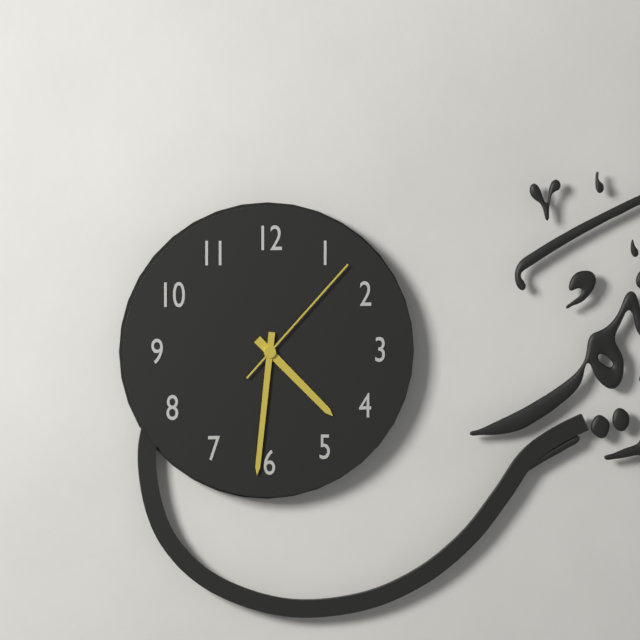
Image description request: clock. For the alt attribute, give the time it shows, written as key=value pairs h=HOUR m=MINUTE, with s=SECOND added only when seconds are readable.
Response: h=4 m=31 s=7
